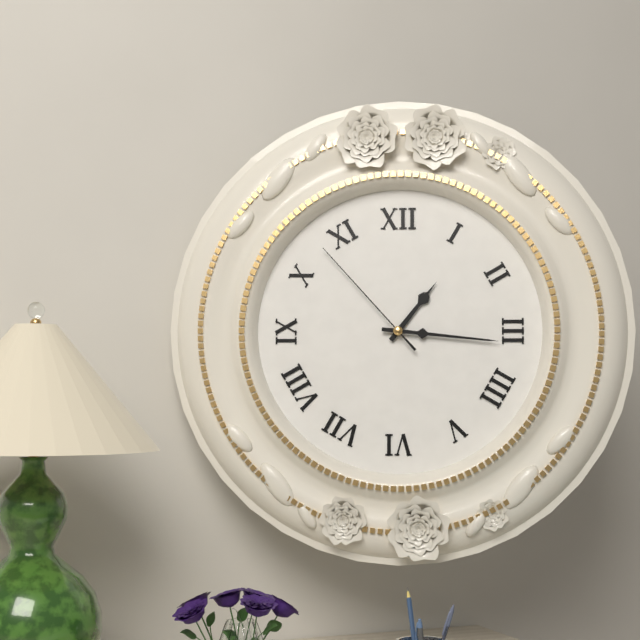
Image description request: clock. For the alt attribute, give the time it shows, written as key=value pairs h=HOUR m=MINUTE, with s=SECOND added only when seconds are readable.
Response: h=1 m=16 s=53
